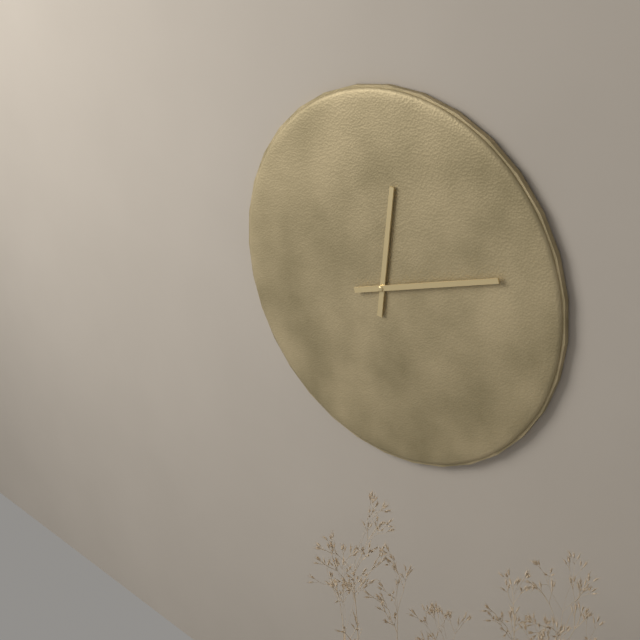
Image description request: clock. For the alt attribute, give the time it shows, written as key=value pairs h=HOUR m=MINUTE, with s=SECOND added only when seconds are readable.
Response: h=12 m=12
